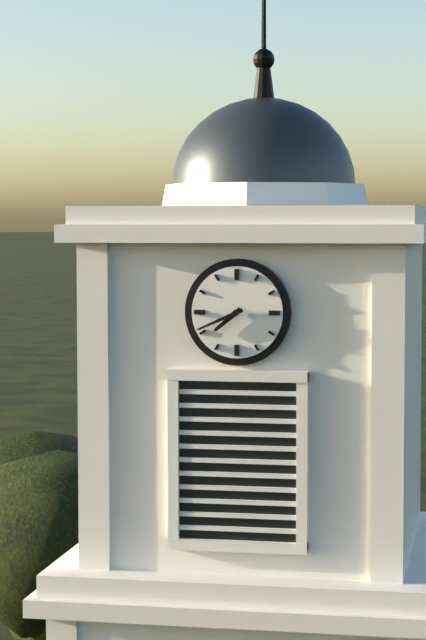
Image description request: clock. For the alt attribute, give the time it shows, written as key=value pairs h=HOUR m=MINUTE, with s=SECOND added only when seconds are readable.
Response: h=7 m=41
